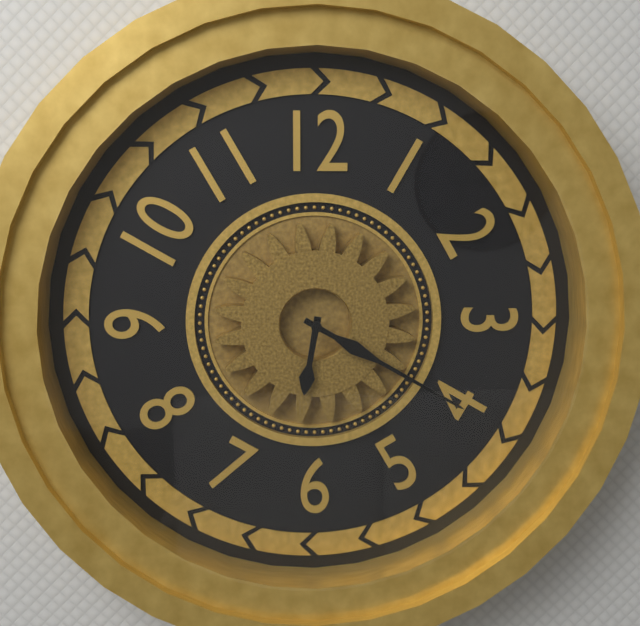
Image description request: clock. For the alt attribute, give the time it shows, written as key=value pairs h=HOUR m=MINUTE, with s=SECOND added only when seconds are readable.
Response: h=6 m=20
